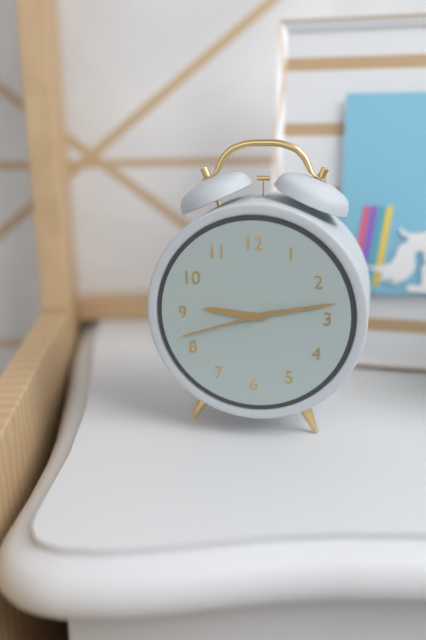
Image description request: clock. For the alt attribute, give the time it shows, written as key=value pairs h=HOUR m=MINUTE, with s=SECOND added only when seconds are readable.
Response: h=9 m=13 s=42
